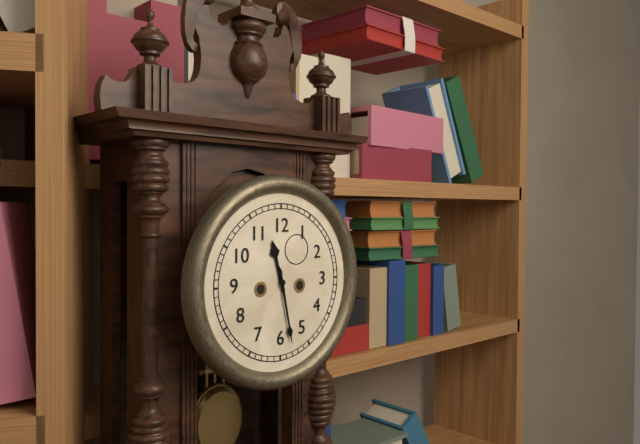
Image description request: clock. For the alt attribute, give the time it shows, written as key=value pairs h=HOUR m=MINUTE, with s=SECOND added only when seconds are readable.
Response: h=11 m=28
